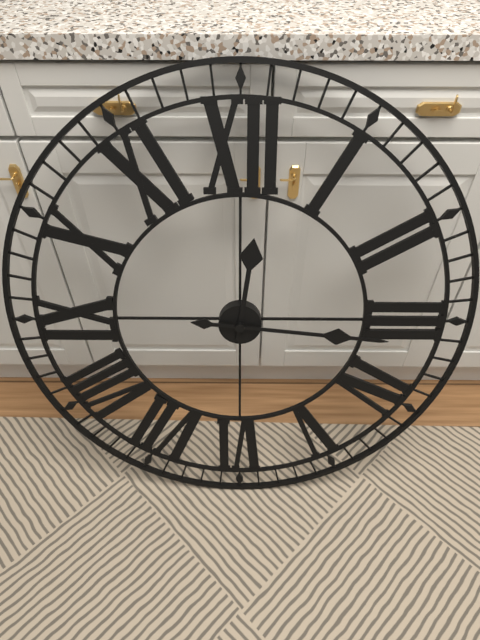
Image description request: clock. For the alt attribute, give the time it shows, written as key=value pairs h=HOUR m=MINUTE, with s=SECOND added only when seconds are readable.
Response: h=12 m=16
